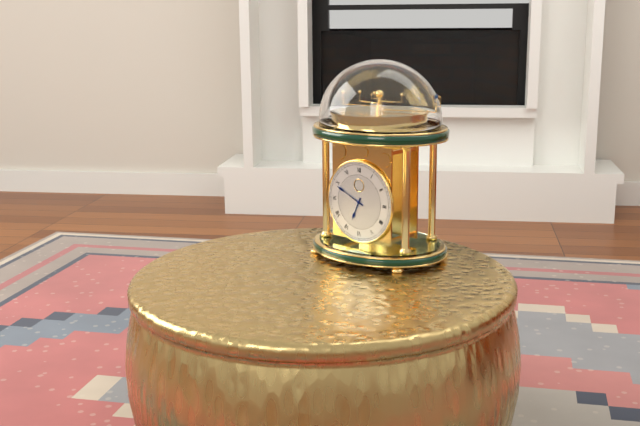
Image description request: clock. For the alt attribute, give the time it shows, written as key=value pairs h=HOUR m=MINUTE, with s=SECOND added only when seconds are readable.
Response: h=6 m=49
